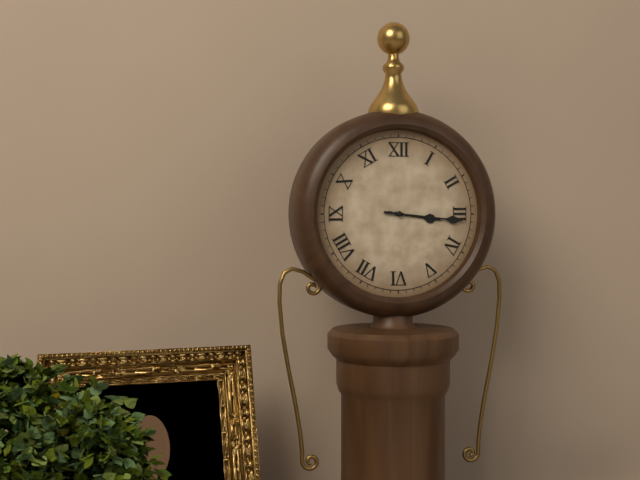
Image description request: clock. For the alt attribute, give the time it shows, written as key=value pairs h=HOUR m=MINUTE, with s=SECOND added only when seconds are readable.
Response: h=3 m=16
